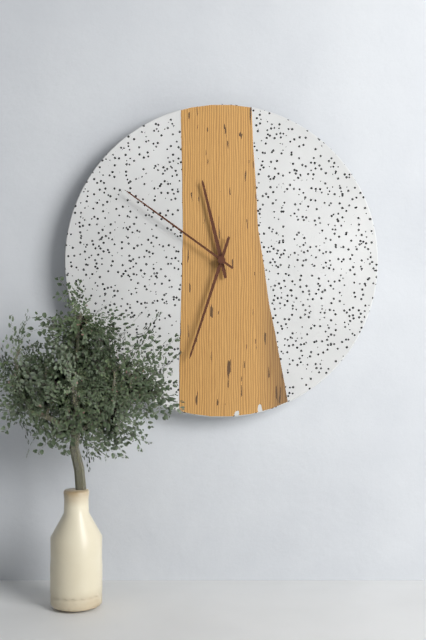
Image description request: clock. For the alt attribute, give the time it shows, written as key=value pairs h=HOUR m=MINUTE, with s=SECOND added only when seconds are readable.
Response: h=11 m=33 s=51
